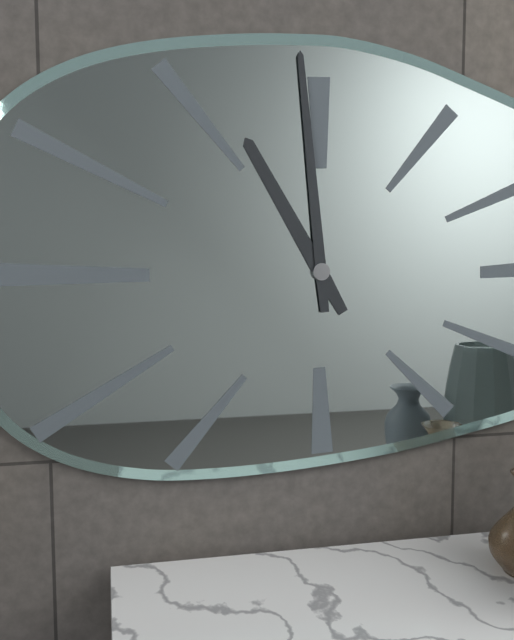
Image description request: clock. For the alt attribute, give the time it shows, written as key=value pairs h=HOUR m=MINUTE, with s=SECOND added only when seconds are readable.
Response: h=10 m=59
